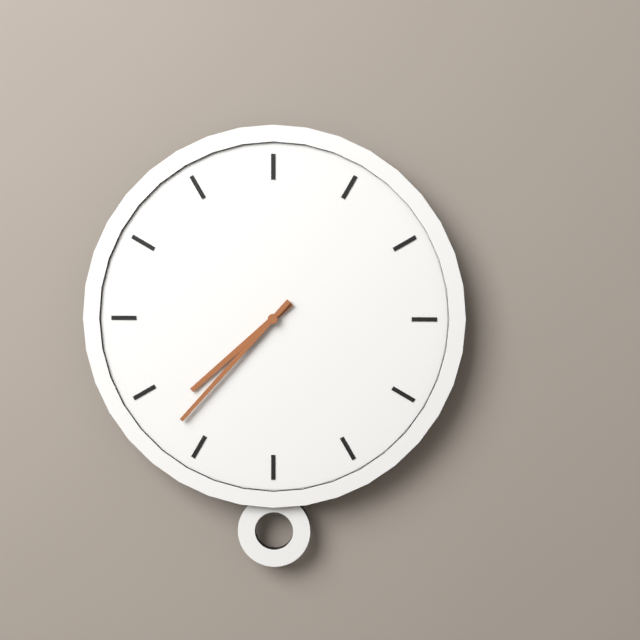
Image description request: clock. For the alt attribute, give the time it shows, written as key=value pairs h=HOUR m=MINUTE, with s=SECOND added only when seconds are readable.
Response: h=7 m=37
